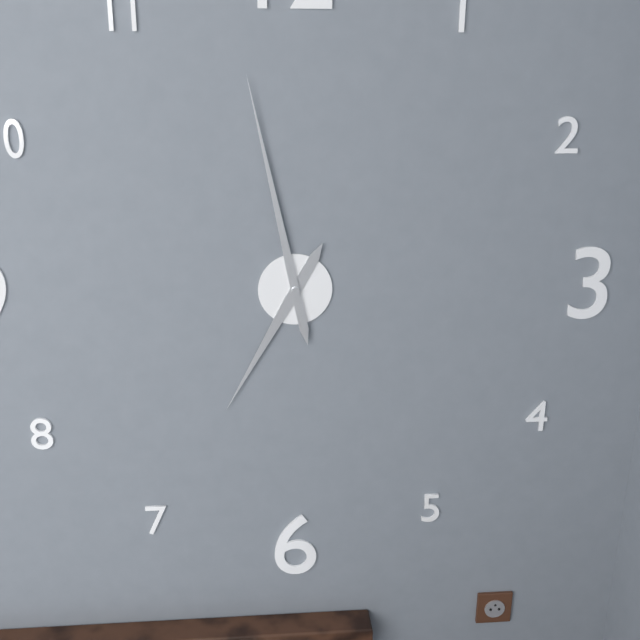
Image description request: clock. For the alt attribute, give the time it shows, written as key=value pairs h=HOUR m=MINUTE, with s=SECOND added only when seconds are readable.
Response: h=6 m=58
